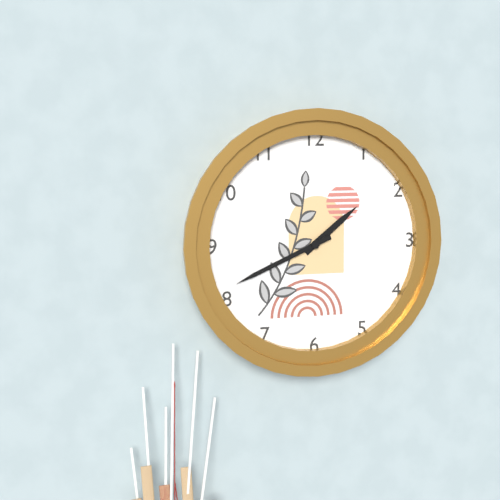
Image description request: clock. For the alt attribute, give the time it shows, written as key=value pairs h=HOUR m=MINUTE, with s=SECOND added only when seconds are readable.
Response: h=1 m=41
